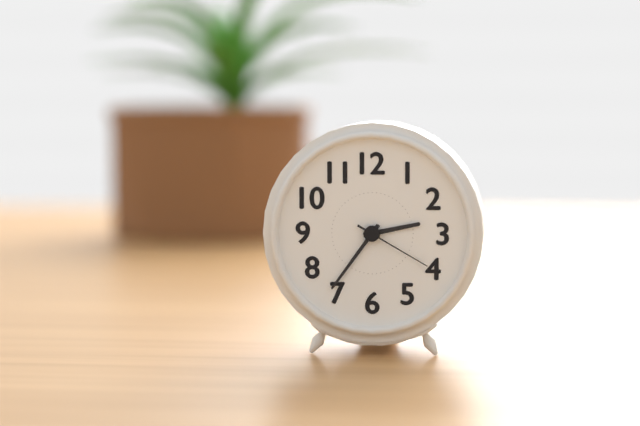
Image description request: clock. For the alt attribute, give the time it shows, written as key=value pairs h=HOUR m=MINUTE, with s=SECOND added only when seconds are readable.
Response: h=2 m=36 s=20
